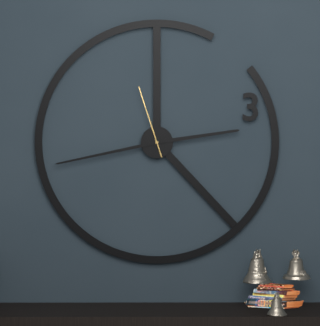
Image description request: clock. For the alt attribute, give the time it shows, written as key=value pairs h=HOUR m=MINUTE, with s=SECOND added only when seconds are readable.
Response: h=2 m=43 s=57
